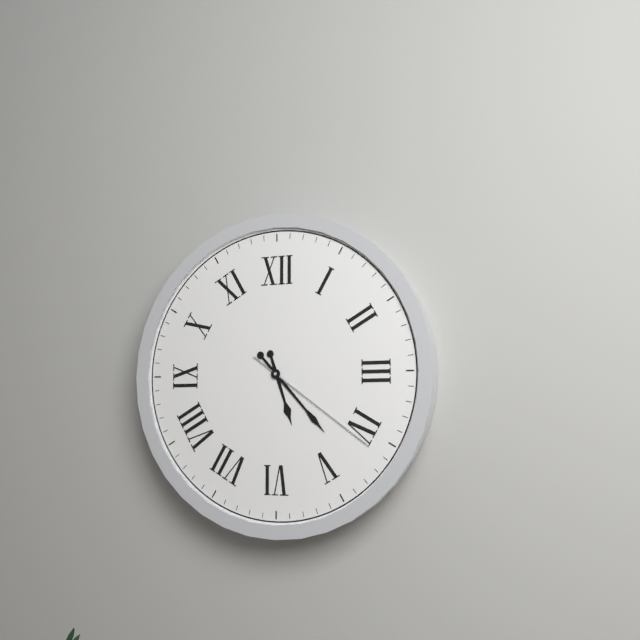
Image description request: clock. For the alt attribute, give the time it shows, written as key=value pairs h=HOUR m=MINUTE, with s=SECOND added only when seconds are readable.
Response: h=5 m=23 s=21
